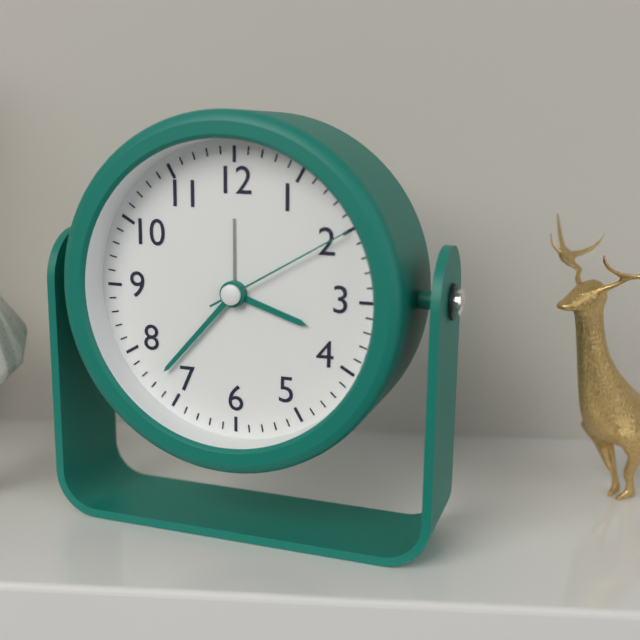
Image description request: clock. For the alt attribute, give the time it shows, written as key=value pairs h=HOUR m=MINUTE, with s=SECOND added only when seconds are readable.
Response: h=3 m=37 s=10
